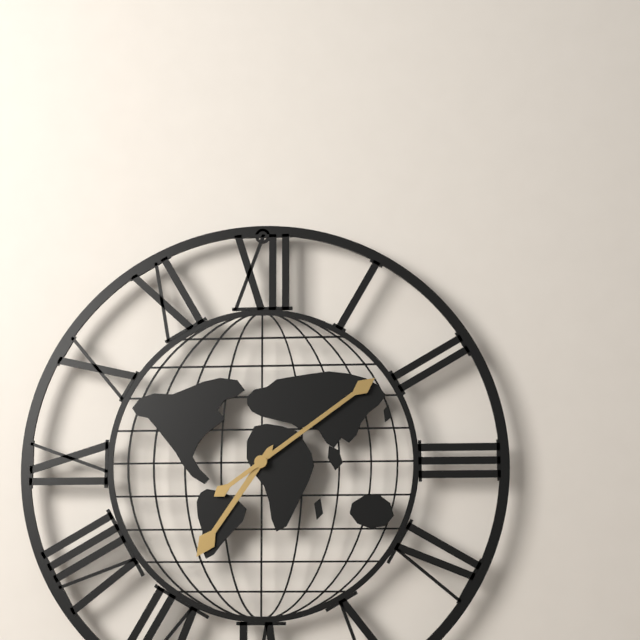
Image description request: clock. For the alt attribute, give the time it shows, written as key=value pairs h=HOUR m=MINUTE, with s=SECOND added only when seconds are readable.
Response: h=7 m=9
